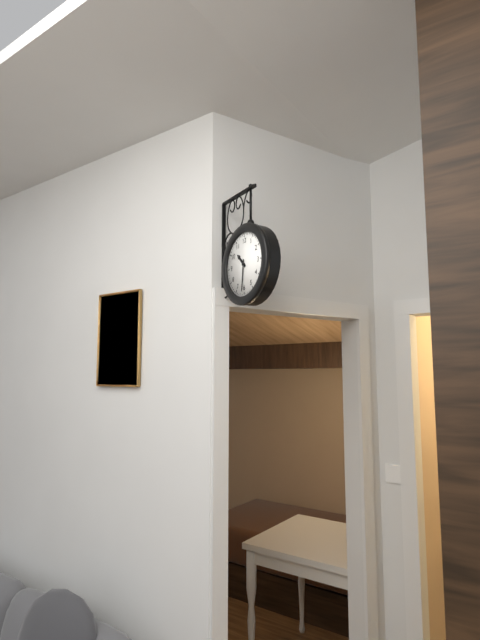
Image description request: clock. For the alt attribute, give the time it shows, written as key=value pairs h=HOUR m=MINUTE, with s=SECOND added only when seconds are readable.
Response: h=10 m=31
